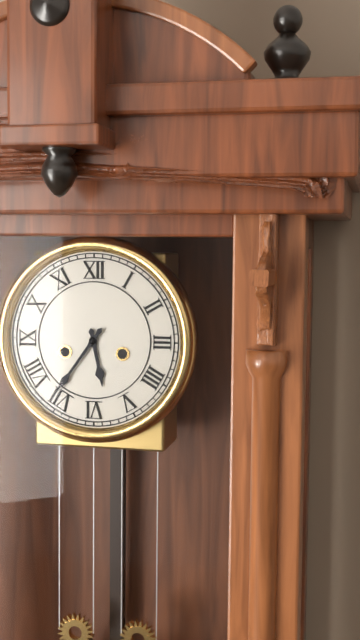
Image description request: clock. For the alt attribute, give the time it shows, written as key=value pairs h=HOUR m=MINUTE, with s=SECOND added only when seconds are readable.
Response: h=5 m=36
